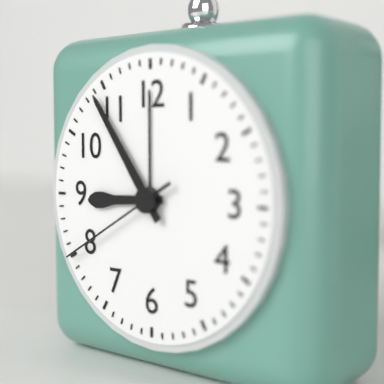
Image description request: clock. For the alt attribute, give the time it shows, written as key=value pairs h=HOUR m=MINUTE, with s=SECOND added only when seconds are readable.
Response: h=8 m=54 s=40
